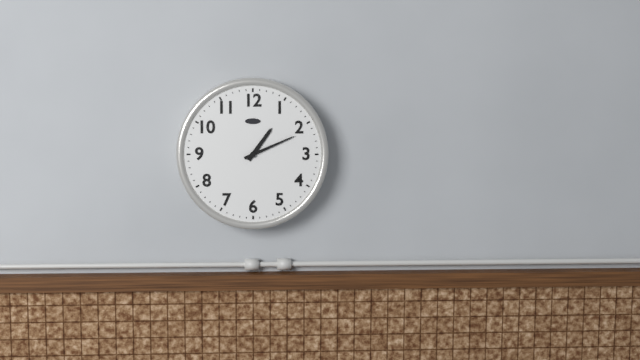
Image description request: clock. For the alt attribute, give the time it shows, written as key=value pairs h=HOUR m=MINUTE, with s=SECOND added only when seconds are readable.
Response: h=1 m=11
